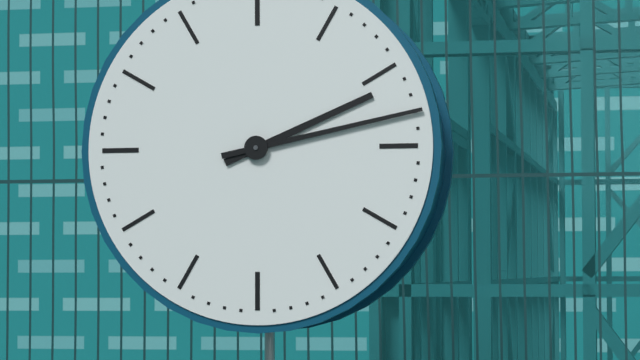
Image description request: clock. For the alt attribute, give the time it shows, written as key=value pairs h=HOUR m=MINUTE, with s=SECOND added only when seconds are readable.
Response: h=2 m=13
